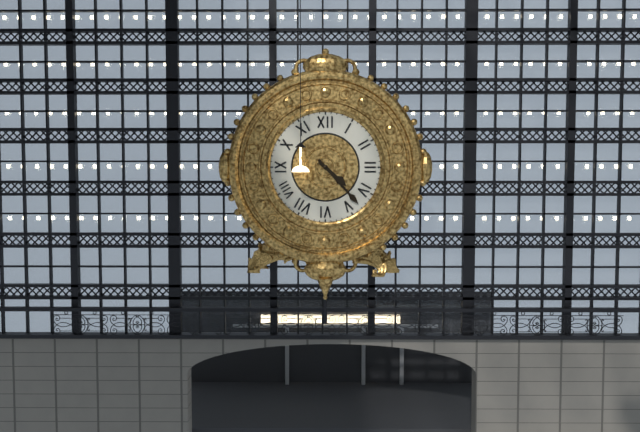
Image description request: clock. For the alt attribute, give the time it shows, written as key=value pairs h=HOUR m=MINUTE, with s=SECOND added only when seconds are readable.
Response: h=4 m=23
